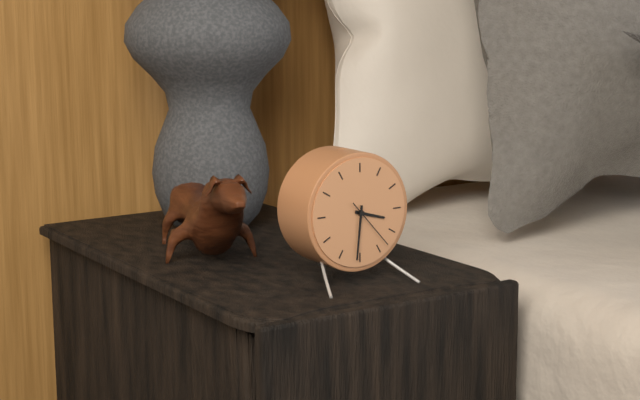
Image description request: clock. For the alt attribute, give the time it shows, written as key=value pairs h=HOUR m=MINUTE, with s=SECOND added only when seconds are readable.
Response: h=3 m=31 s=23
